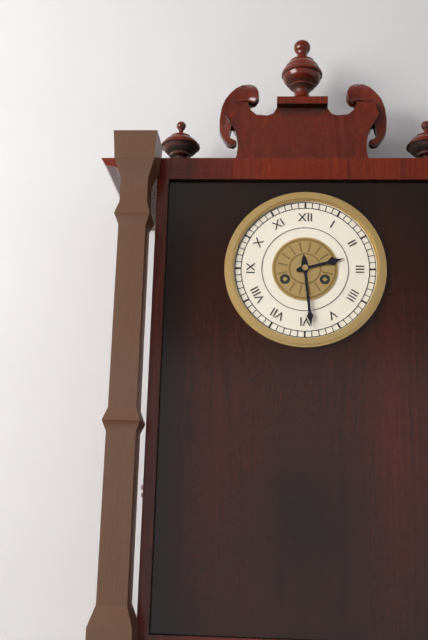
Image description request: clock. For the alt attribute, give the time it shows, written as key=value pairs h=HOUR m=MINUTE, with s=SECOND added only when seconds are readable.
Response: h=2 m=29
